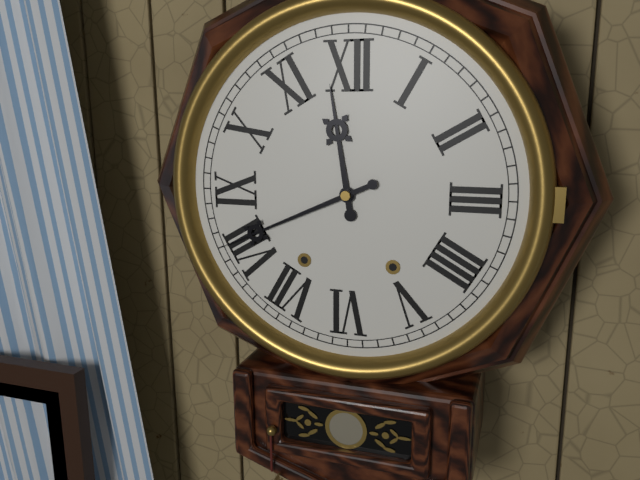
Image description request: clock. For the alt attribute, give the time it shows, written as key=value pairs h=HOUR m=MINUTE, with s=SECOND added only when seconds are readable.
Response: h=11 m=41
